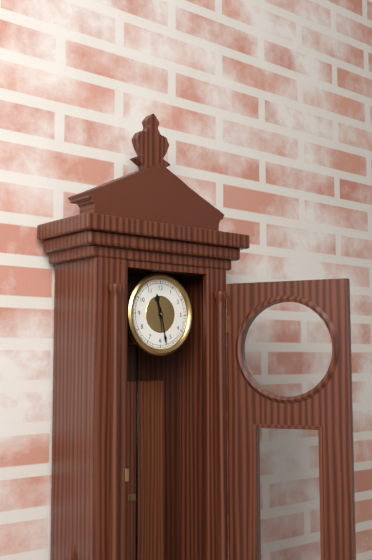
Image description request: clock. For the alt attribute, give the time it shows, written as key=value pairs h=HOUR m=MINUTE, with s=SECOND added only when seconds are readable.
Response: h=11 m=28
